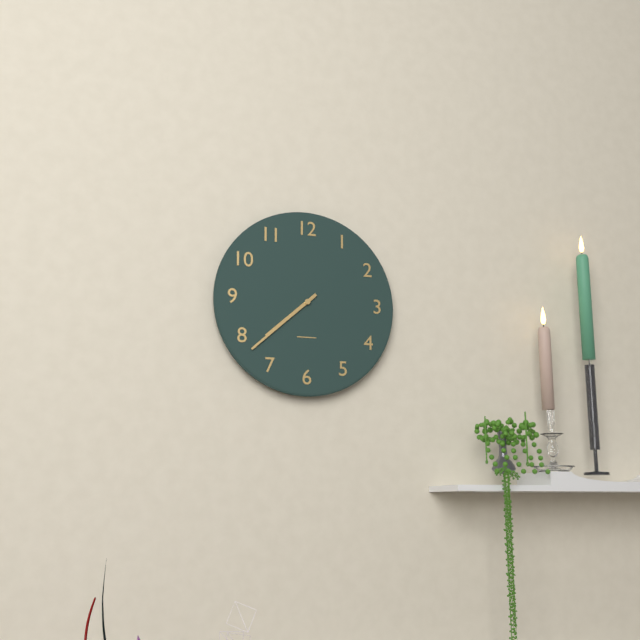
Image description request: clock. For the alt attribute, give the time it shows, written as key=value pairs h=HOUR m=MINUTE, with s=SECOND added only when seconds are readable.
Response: h=7 m=38
